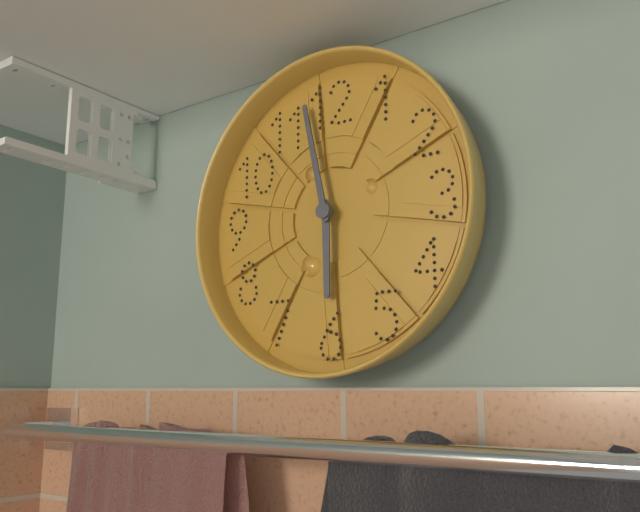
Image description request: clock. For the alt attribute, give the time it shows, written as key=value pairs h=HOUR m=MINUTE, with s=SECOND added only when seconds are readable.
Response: h=5 m=58
